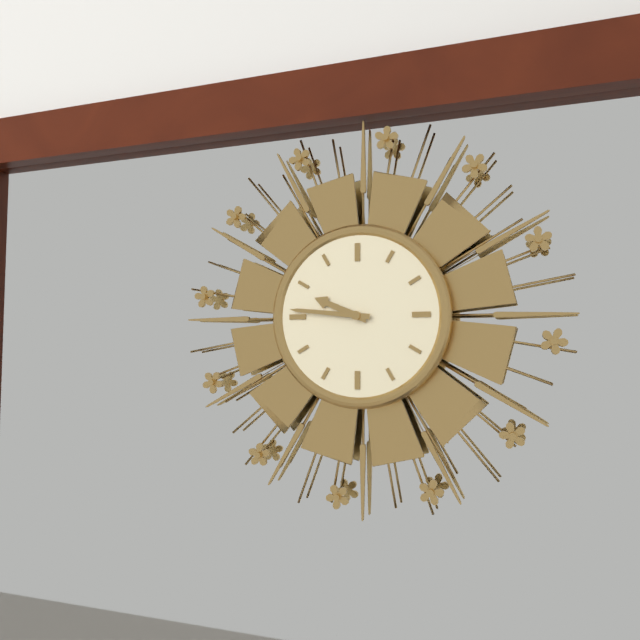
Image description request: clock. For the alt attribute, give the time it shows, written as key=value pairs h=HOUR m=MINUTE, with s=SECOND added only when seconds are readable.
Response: h=9 m=46
